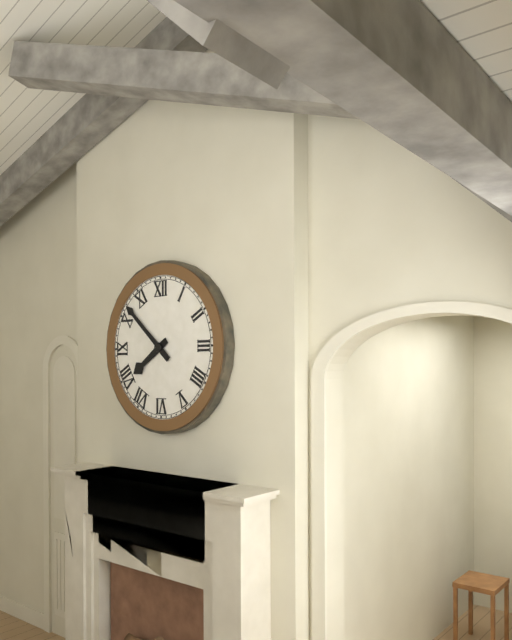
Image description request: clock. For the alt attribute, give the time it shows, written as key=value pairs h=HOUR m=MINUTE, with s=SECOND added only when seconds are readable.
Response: h=7 m=52
